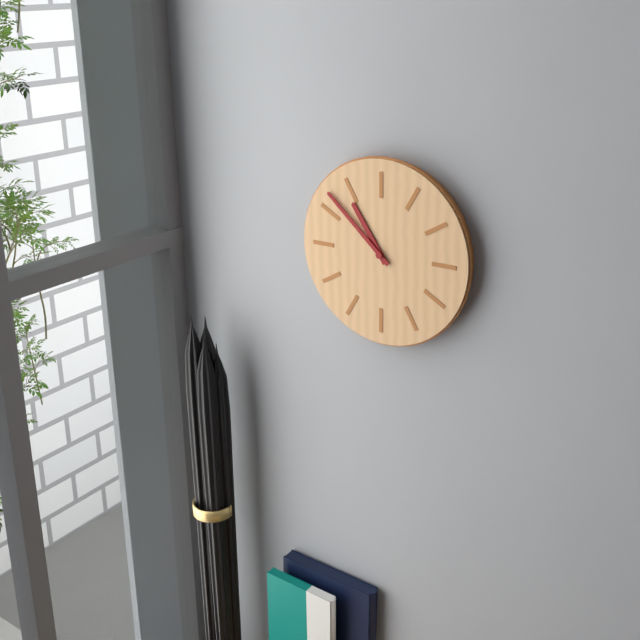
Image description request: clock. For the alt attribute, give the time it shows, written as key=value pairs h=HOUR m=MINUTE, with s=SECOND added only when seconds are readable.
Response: h=10 m=52
